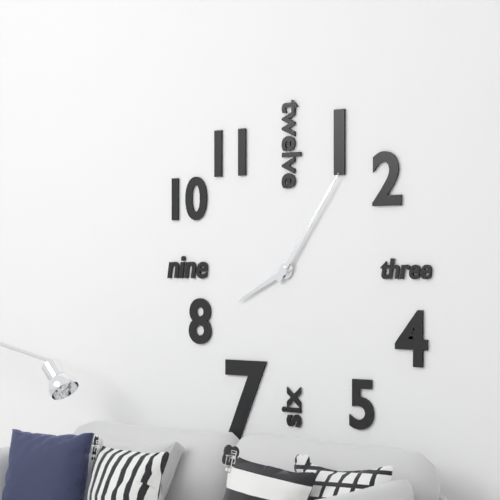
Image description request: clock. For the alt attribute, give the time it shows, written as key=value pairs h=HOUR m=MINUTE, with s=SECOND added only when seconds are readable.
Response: h=8 m=6
